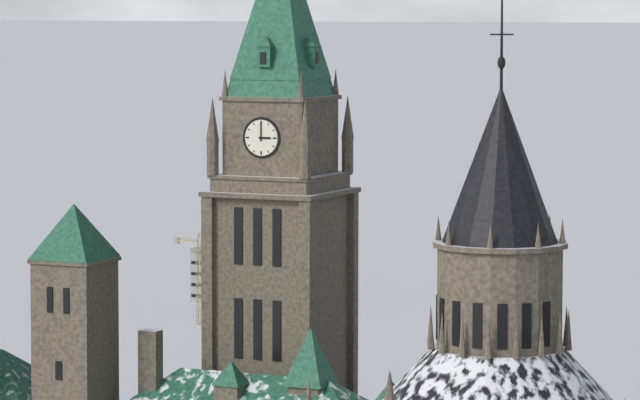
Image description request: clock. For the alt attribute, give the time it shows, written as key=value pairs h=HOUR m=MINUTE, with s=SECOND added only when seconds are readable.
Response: h=3 m=0
